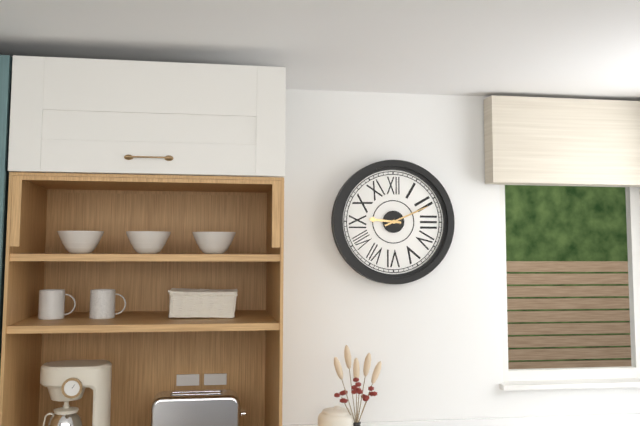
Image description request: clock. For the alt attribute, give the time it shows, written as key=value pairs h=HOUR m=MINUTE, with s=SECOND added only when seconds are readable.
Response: h=9 m=11
